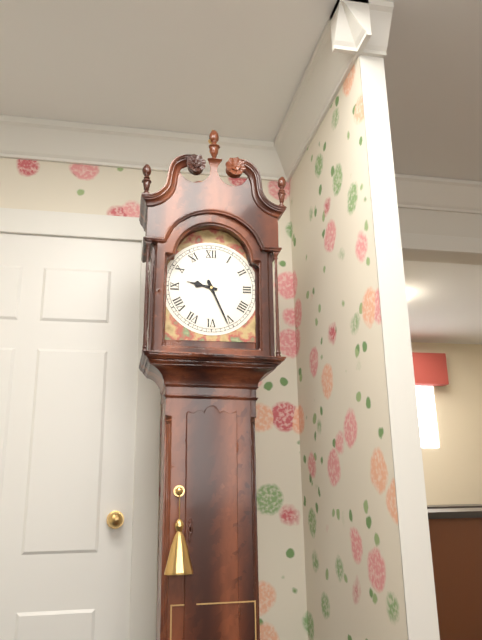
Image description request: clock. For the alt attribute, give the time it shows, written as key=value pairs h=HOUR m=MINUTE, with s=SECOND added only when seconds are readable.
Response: h=9 m=26
